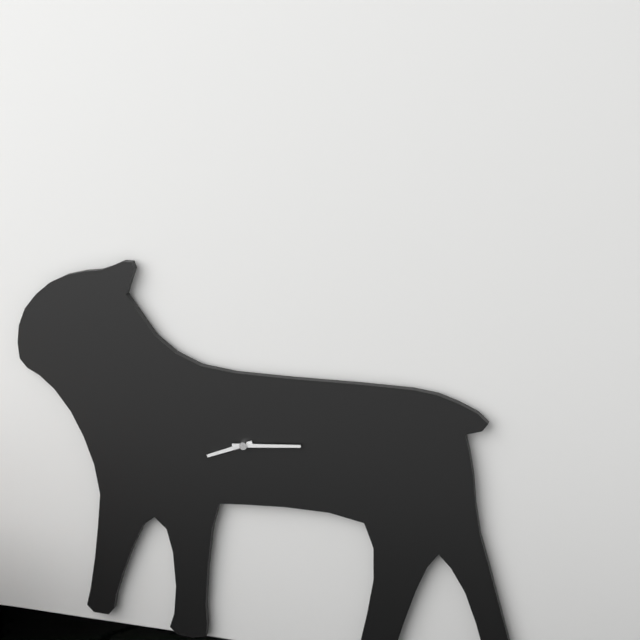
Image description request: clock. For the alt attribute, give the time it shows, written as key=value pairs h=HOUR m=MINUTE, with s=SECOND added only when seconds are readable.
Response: h=8 m=14
